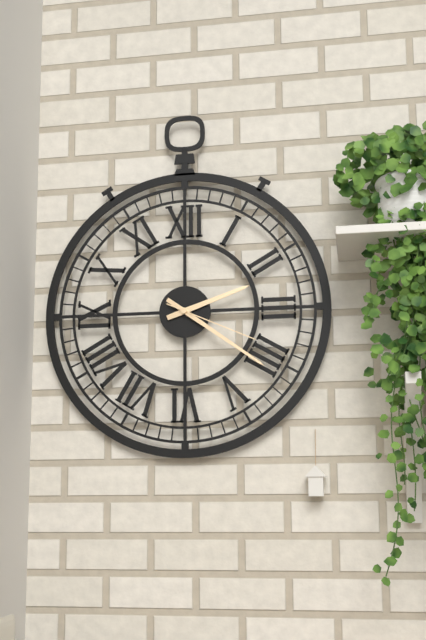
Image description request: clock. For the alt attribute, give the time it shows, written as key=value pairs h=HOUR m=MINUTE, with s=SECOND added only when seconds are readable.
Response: h=2 m=21 s=19
